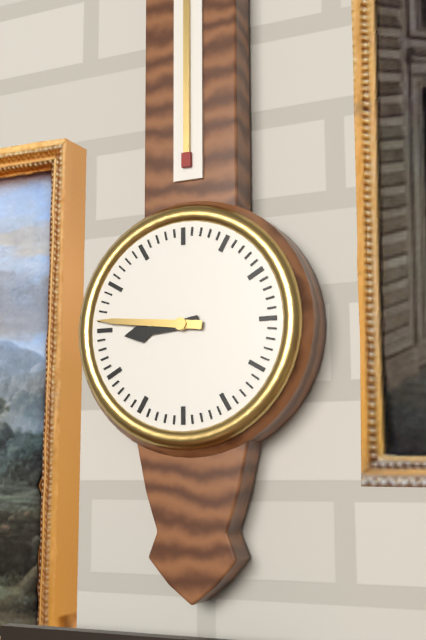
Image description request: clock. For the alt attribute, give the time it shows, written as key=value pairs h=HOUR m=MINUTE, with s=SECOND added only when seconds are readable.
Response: h=8 m=46
